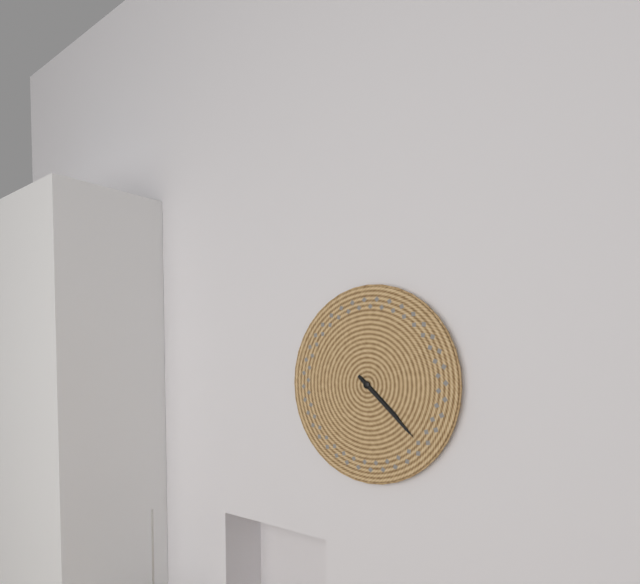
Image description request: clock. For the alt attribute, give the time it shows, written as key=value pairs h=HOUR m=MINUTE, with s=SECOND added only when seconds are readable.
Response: h=4 m=22
